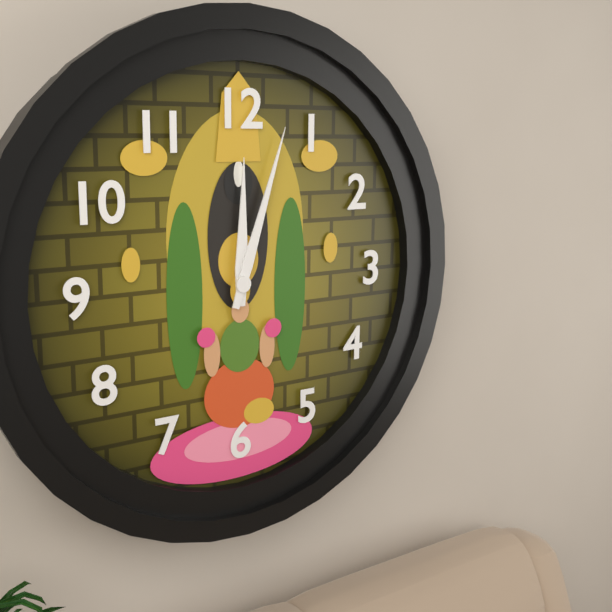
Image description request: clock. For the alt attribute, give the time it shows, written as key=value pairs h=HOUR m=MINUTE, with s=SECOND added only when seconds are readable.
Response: h=12 m=3
